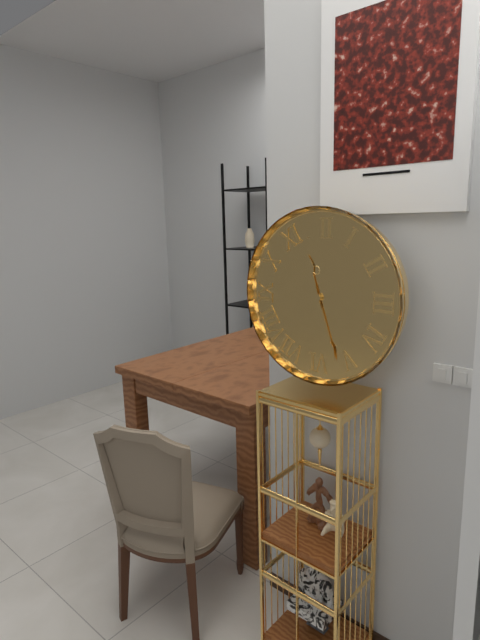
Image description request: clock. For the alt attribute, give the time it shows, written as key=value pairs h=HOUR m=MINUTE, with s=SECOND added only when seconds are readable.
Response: h=11 m=27
